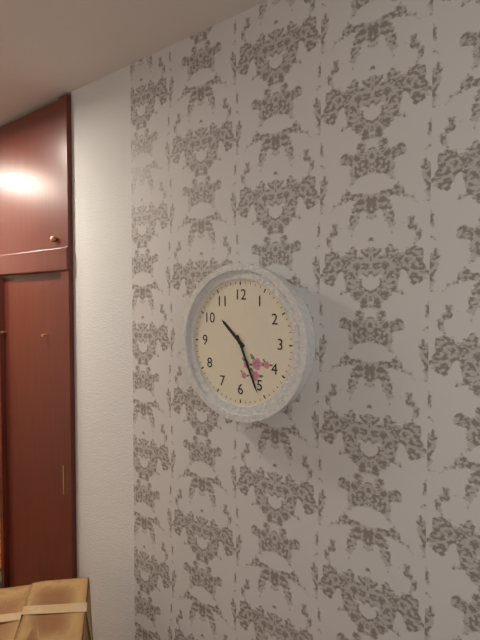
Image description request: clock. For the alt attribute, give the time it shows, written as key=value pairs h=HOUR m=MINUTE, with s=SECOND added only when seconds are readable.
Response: h=10 m=26
